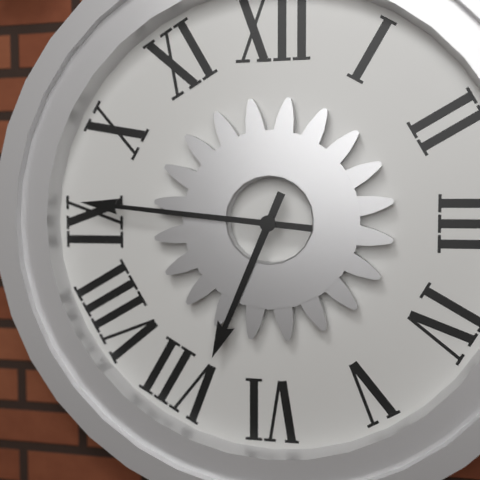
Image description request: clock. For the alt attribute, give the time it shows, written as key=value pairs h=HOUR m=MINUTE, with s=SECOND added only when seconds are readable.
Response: h=6 m=46
